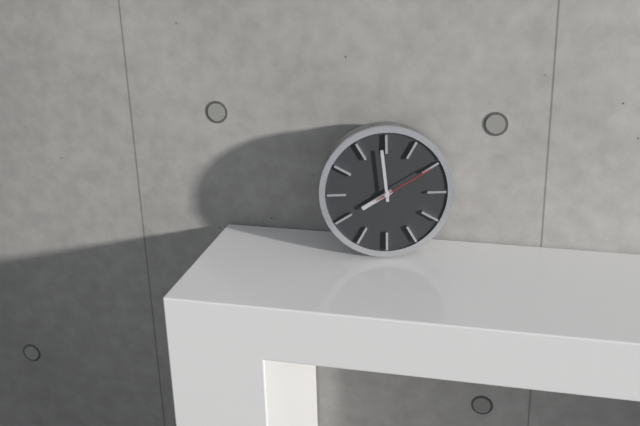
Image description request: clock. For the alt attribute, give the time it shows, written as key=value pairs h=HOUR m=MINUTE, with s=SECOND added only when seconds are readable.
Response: h=7 m=59 s=10
